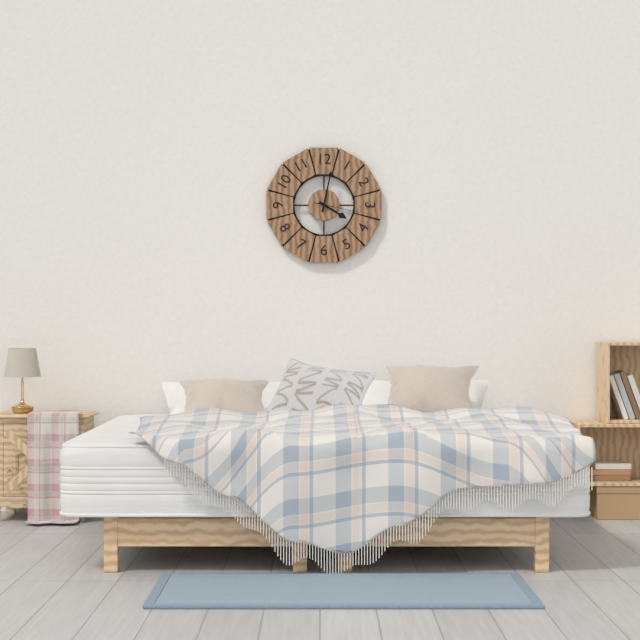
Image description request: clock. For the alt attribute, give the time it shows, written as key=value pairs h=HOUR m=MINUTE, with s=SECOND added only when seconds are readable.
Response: h=4 m=2
